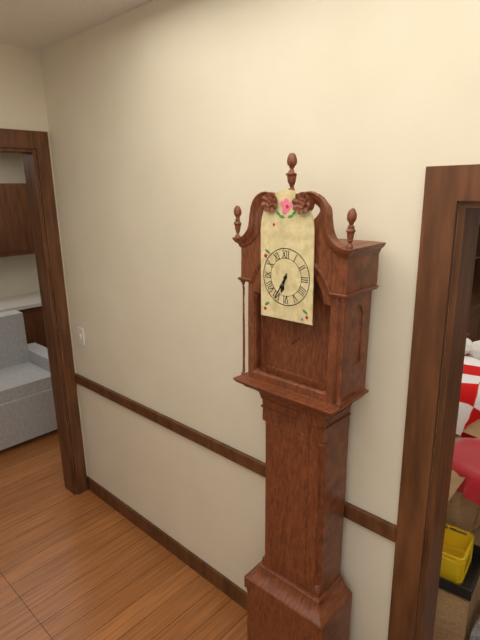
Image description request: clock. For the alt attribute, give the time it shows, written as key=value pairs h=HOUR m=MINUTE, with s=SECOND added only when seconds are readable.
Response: h=6 m=35
